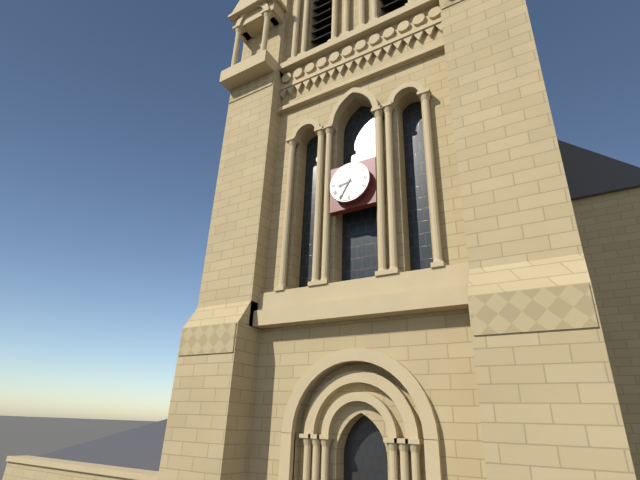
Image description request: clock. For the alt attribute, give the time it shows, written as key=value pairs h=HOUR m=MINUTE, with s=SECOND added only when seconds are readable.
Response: h=8 m=35
